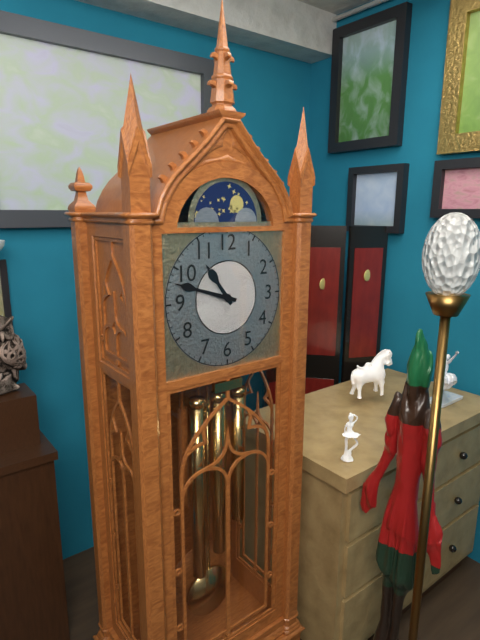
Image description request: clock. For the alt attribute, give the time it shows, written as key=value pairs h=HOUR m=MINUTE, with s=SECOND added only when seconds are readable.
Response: h=10 m=48
